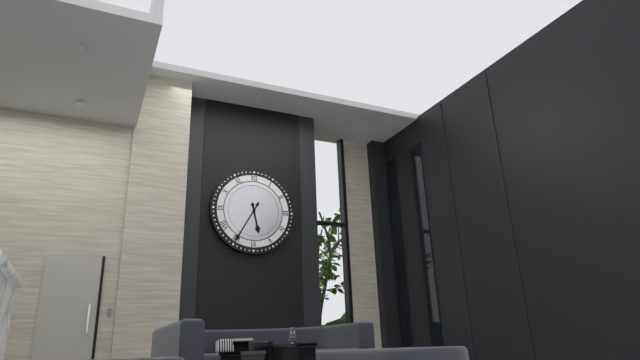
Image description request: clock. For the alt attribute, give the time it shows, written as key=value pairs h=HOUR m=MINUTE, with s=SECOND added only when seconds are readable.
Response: h=5 m=35
